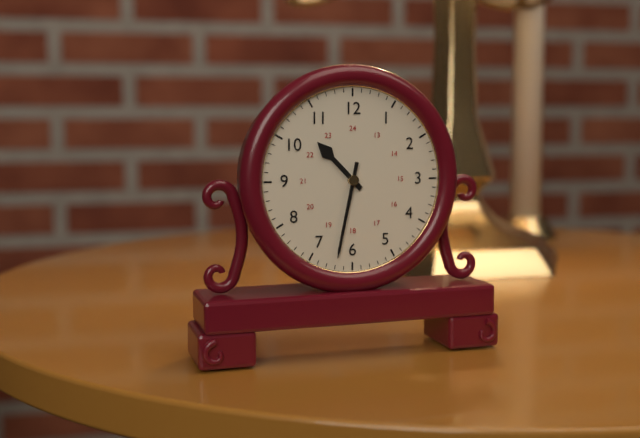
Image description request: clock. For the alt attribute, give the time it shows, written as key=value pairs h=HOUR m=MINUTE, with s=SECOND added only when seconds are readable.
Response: h=10 m=32
